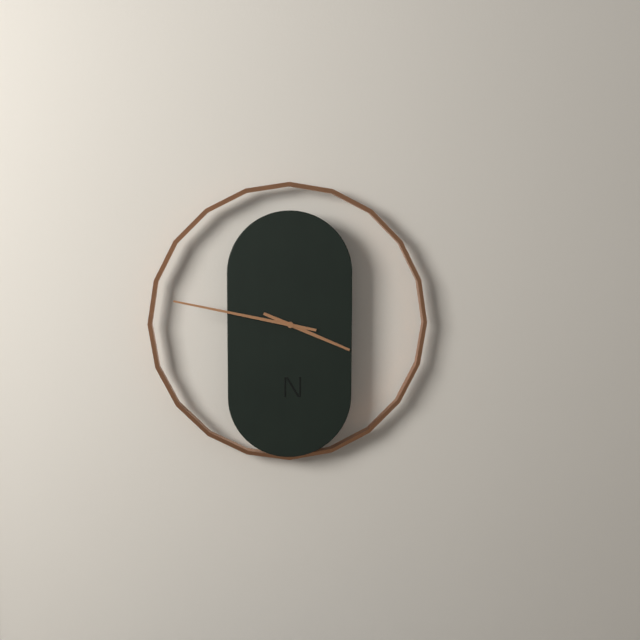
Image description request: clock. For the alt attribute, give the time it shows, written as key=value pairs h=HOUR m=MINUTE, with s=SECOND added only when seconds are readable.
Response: h=3 m=47
